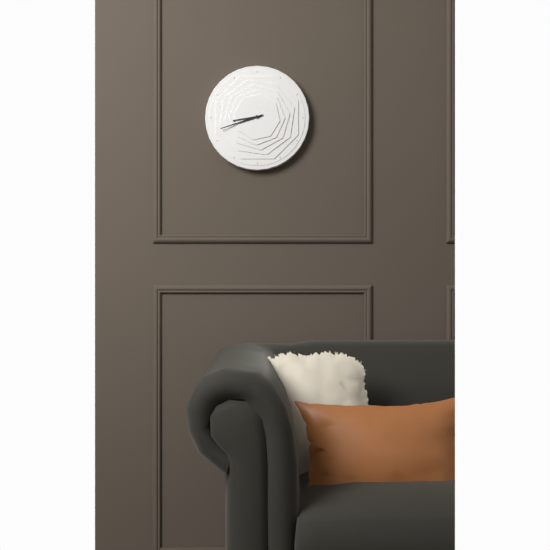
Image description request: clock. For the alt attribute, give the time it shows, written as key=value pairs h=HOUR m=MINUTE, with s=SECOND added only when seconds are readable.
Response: h=8 m=42
